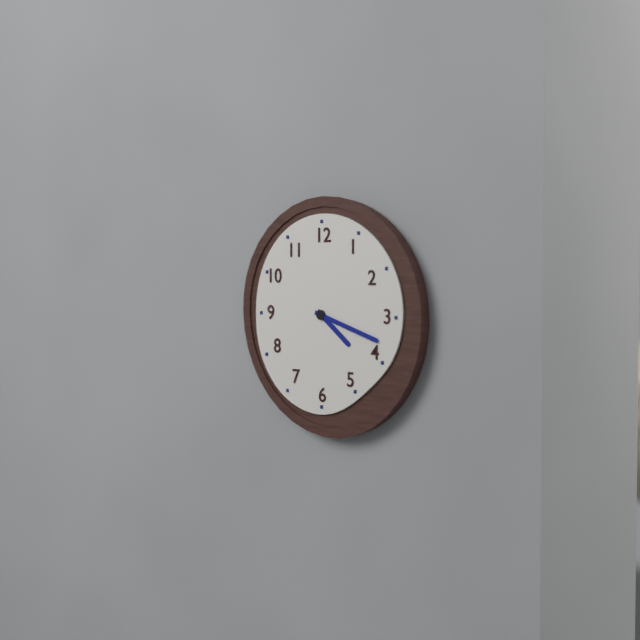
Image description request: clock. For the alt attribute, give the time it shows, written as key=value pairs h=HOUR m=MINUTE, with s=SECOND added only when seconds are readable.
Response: h=4 m=18
